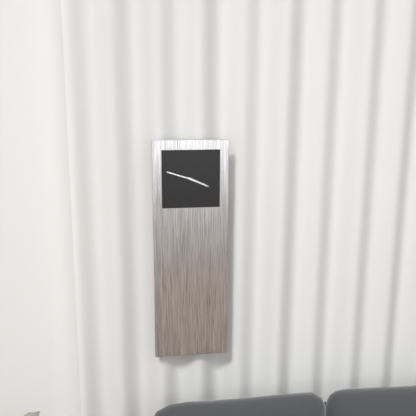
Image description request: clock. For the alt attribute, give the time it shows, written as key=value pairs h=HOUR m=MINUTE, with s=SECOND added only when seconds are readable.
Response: h=3 m=48
